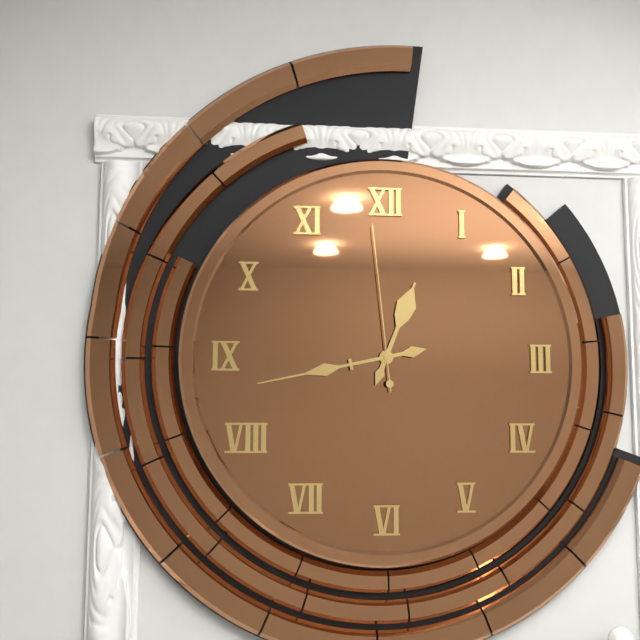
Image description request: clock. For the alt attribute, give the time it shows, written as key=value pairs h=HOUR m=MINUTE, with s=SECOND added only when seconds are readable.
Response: h=12 m=43 s=59
